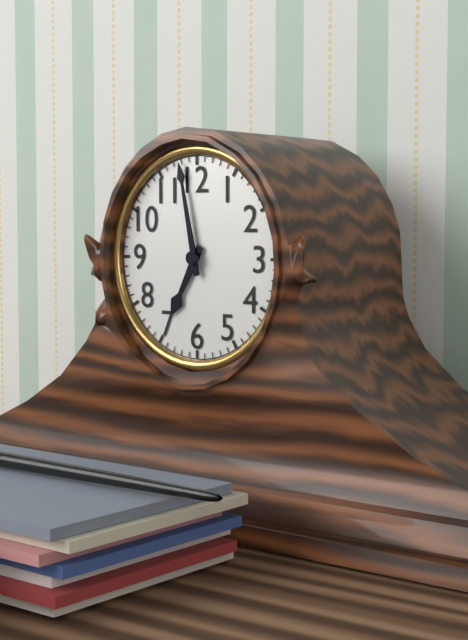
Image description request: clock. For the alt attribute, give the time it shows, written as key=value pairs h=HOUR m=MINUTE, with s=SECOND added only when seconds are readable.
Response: h=6 m=58
